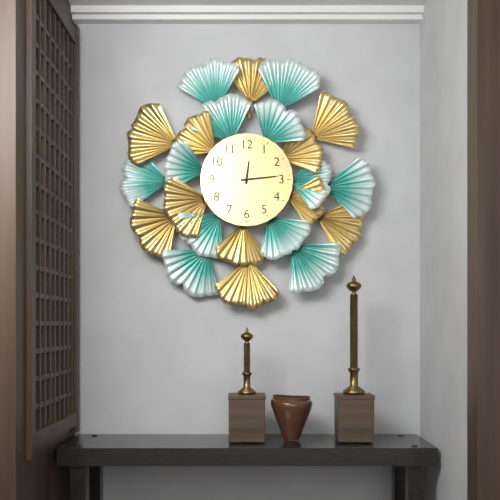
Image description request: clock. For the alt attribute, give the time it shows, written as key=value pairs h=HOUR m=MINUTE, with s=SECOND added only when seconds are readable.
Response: h=12 m=14
